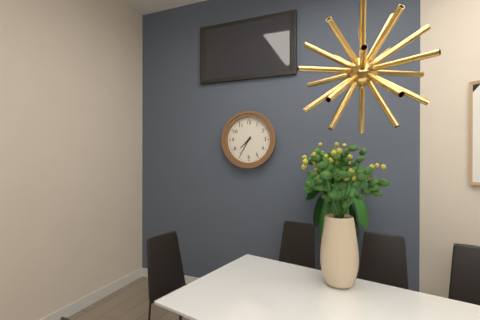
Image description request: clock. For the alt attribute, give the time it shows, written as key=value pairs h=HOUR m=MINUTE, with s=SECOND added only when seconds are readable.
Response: h=7 m=35
